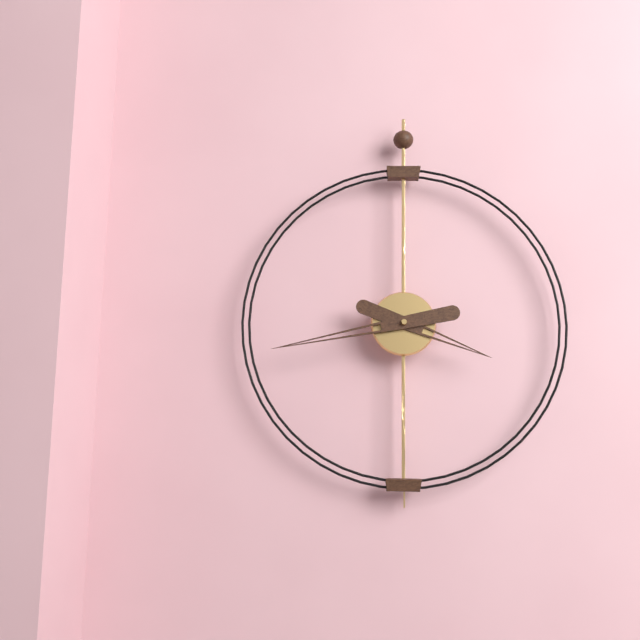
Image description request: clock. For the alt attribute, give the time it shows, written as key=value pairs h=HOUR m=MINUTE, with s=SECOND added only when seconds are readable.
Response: h=3 m=43
